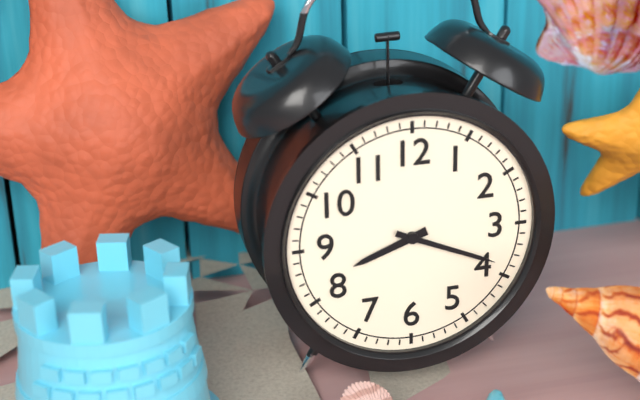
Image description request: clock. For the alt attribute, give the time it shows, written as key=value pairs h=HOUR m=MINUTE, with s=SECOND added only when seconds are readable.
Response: h=8 m=19
